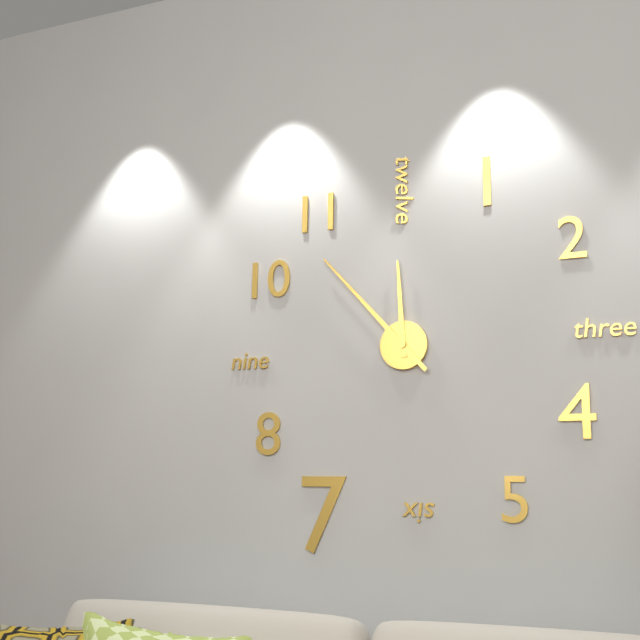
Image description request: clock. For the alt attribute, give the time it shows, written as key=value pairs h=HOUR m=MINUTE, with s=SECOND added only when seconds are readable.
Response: h=11 m=53
